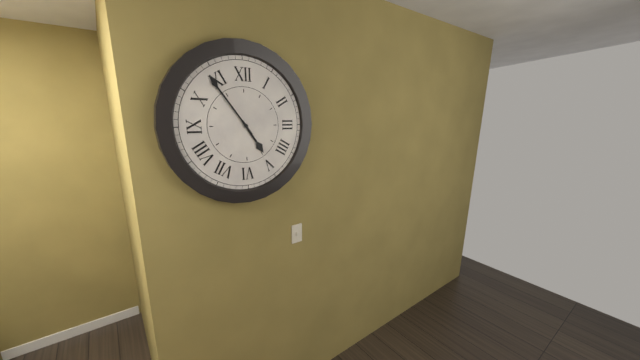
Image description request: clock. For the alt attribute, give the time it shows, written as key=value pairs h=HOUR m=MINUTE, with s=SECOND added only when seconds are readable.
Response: h=4 m=54
